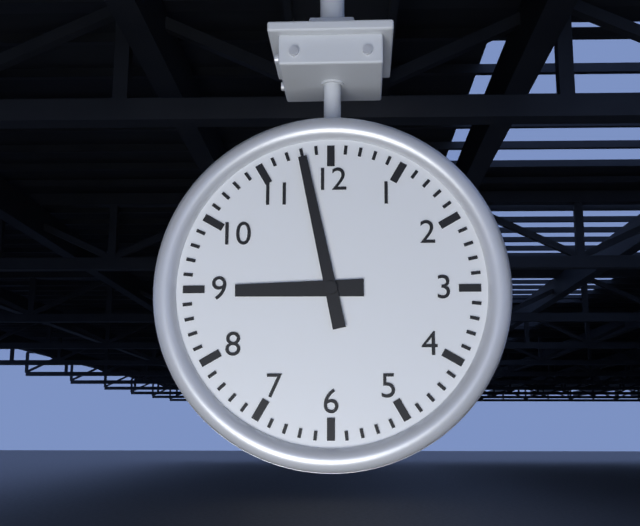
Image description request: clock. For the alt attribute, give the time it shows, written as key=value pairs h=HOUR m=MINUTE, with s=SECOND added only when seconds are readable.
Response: h=8 m=58
